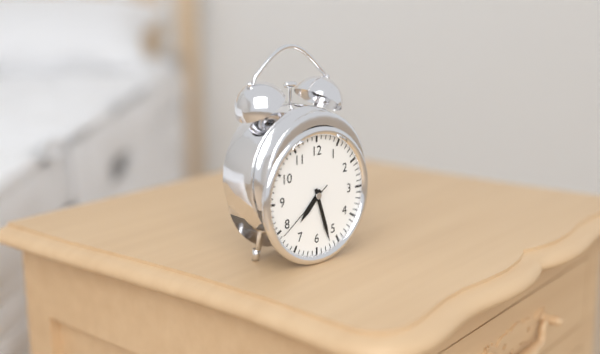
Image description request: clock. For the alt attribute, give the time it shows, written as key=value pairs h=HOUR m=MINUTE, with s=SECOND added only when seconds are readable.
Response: h=7 m=27 s=39
